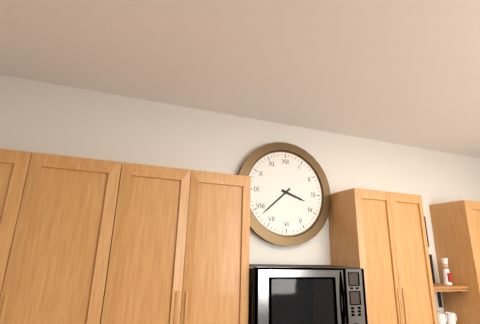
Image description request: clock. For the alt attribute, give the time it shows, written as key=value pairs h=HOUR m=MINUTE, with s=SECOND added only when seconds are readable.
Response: h=3 m=38
